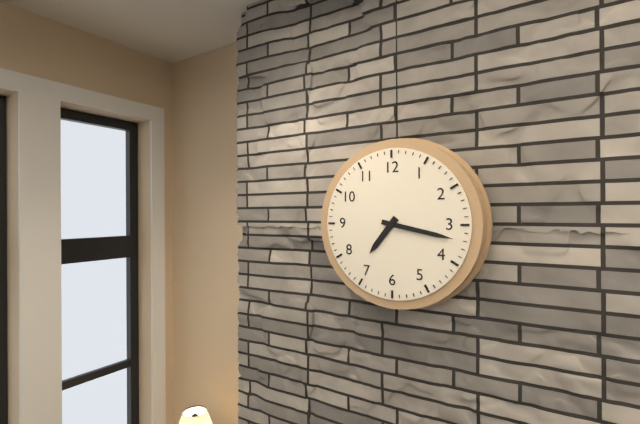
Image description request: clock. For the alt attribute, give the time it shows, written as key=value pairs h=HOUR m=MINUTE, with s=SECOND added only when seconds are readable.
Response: h=7 m=17
